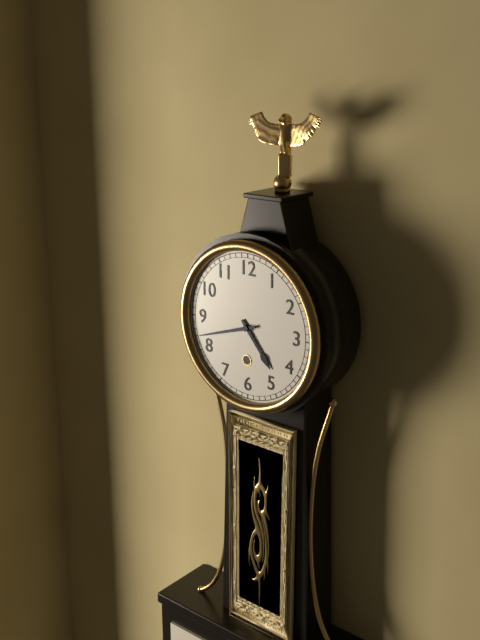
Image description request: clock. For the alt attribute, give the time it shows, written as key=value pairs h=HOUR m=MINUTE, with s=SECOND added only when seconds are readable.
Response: h=4 m=42
